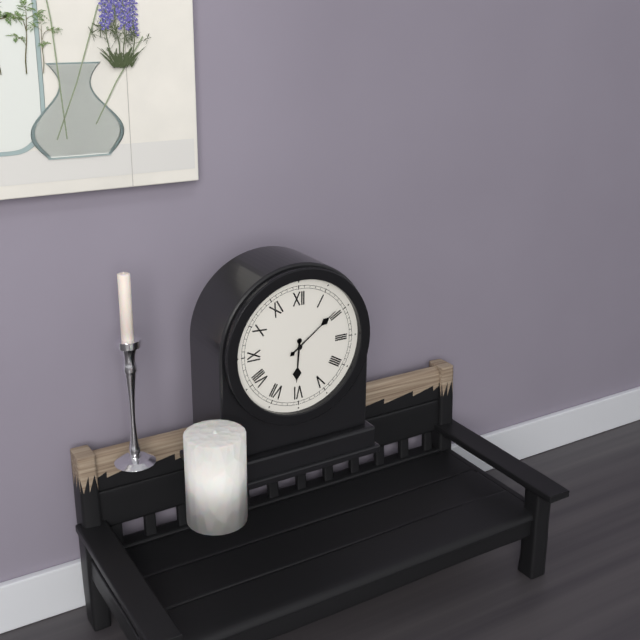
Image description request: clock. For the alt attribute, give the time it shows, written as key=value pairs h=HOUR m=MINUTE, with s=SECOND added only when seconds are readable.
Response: h=6 m=9
